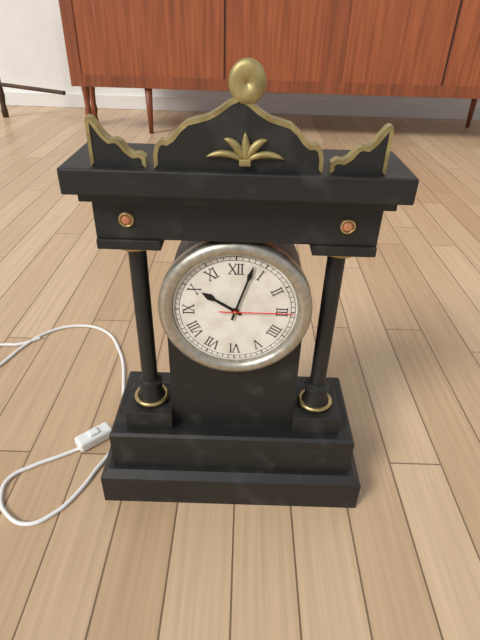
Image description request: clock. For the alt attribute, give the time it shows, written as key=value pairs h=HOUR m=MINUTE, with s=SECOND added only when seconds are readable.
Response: h=10 m=3 s=15
